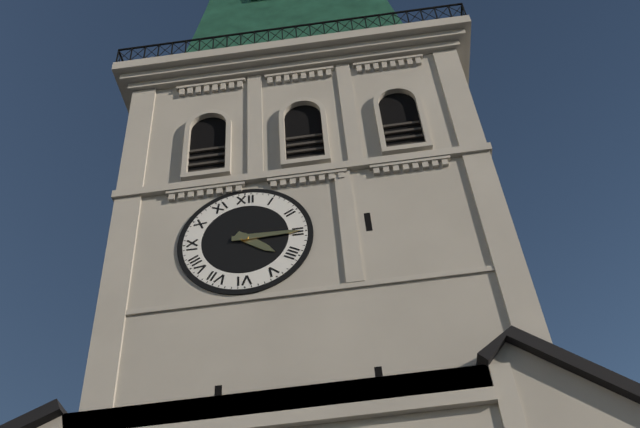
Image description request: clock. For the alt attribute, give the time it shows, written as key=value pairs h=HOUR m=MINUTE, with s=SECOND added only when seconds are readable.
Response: h=4 m=15
